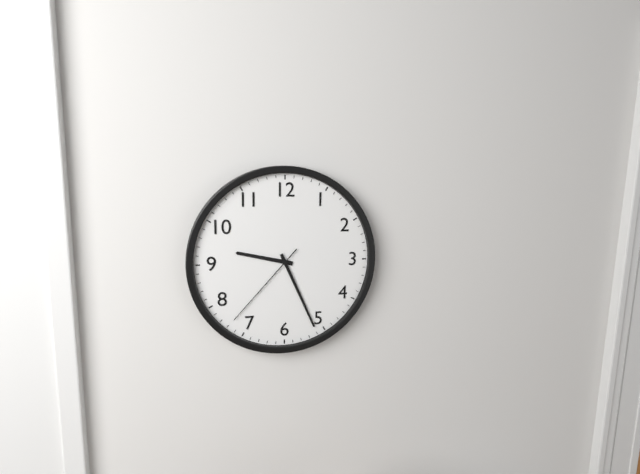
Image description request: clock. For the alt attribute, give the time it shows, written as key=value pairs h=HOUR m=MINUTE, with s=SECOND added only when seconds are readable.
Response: h=9 m=26 s=37
